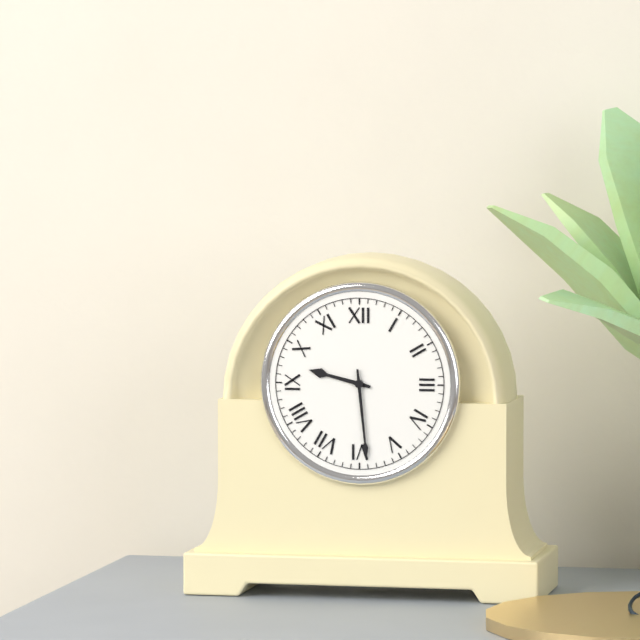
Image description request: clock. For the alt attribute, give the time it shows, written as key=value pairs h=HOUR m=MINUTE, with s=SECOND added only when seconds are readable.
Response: h=9 m=29
